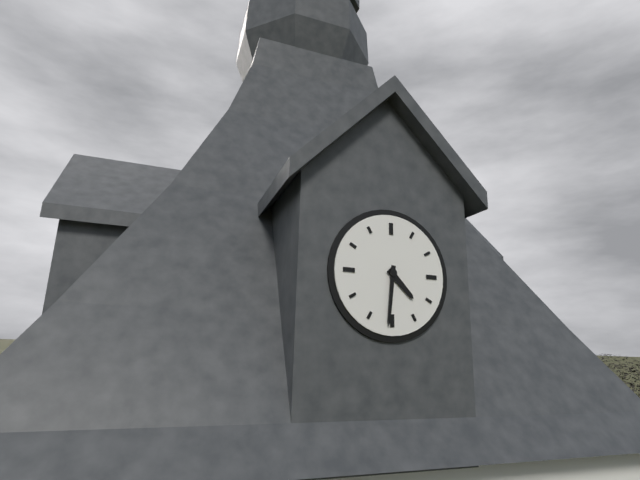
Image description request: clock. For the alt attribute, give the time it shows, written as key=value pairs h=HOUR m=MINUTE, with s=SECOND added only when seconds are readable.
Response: h=4 m=31
